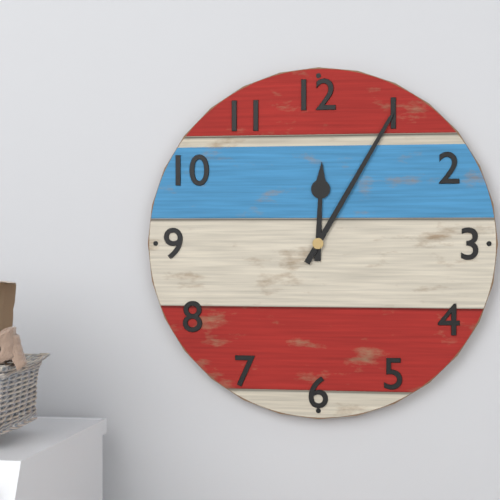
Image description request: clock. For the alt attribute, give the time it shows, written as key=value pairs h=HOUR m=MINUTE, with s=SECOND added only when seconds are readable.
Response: h=12 m=5
